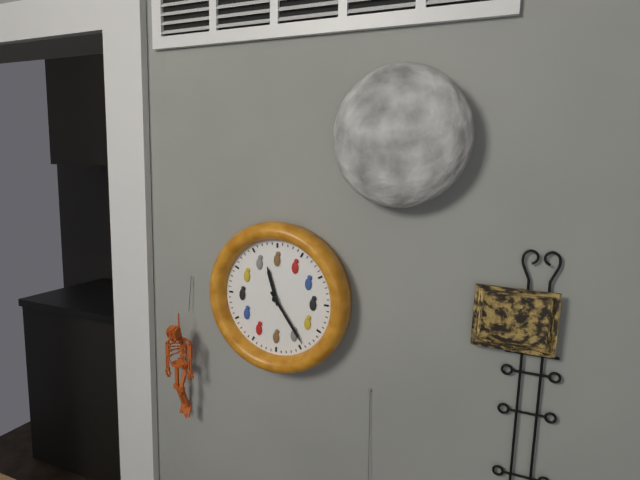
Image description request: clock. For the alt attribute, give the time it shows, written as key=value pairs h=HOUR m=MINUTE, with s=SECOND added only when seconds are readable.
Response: h=11 m=24
